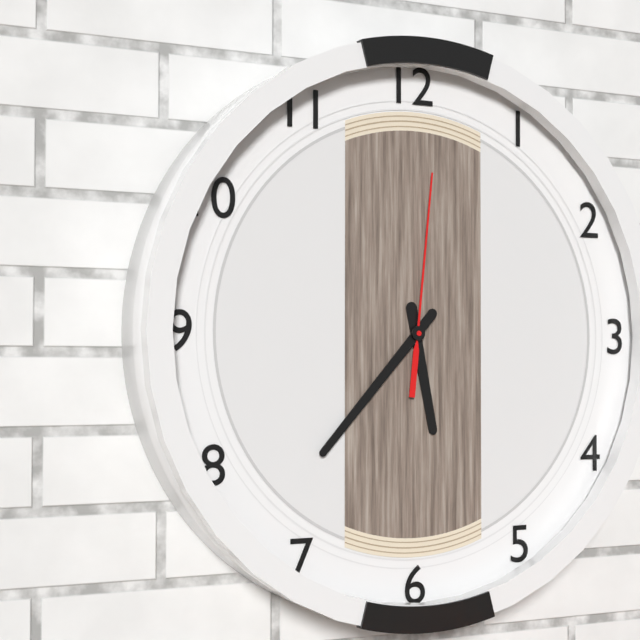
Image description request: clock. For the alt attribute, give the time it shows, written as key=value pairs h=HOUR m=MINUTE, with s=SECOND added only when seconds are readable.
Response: h=5 m=37 s=1
